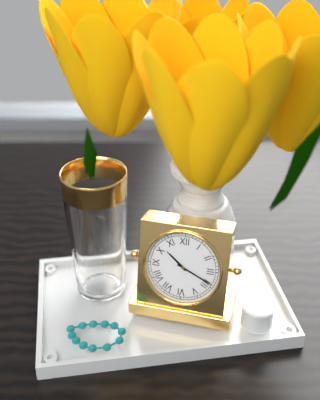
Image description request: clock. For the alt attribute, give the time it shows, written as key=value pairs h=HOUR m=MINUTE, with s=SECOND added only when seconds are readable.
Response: h=10 m=19
